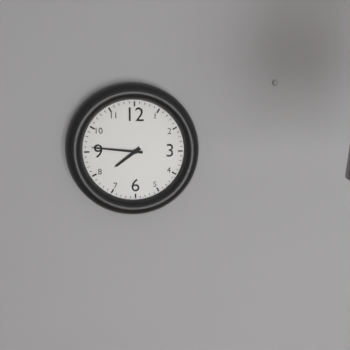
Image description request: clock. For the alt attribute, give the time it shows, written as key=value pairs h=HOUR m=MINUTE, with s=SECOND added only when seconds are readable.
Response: h=7 m=46
